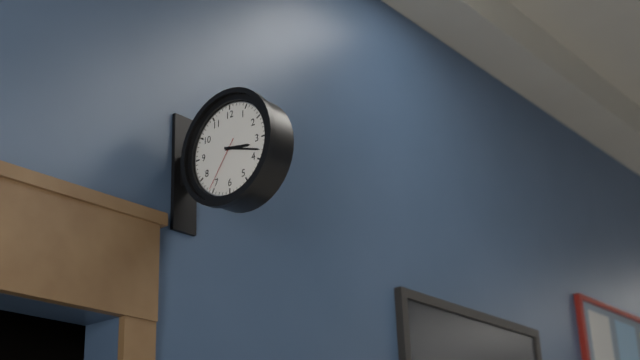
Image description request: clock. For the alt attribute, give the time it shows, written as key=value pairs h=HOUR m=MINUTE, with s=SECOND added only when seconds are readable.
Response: h=3 m=18 s=36
